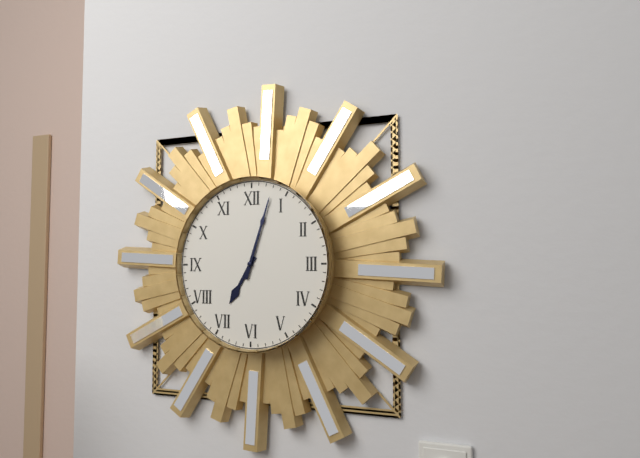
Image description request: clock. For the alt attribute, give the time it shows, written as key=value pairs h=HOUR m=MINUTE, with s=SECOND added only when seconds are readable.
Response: h=7 m=3
